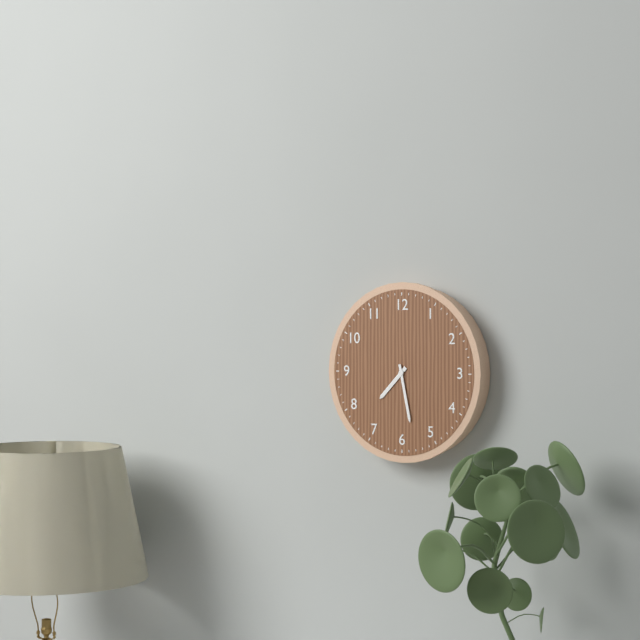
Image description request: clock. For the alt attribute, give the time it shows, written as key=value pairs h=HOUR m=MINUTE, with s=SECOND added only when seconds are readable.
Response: h=7 m=28
